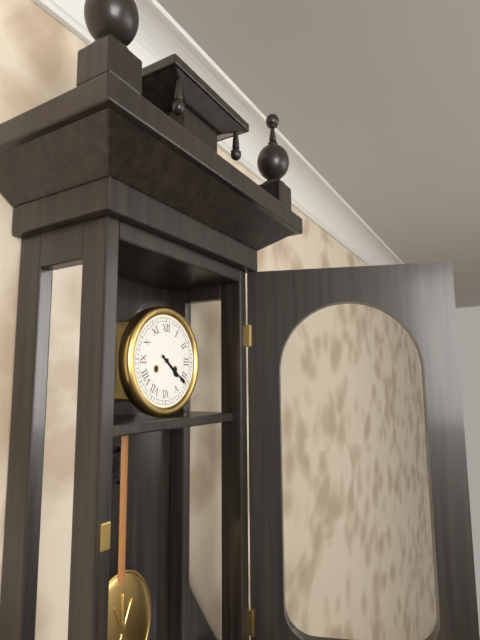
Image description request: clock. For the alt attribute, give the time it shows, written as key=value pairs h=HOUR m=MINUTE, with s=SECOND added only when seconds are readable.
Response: h=4 m=21
